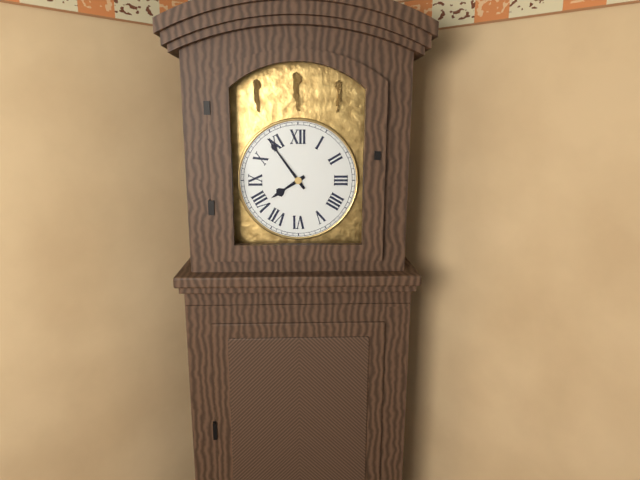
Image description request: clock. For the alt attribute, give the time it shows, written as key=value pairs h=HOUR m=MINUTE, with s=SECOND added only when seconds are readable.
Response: h=7 m=54
